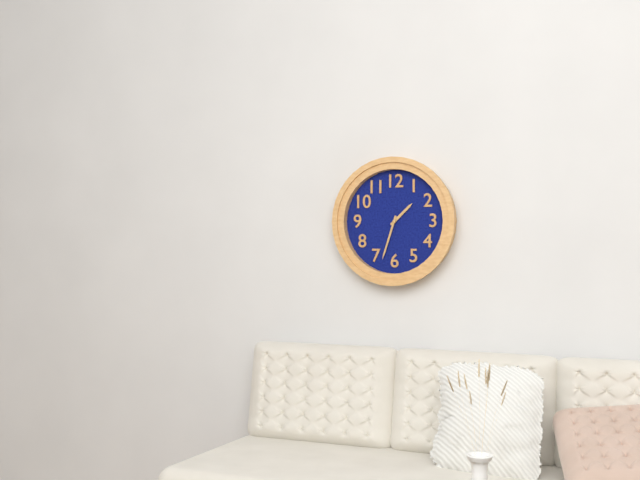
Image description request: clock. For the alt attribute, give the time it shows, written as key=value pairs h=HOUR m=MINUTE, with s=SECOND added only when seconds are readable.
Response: h=1 m=33
